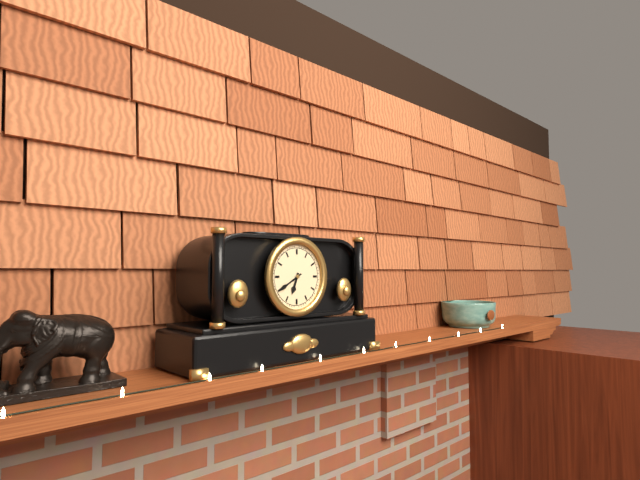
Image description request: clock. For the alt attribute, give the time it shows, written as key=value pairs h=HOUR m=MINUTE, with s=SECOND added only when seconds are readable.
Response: h=6 m=40
